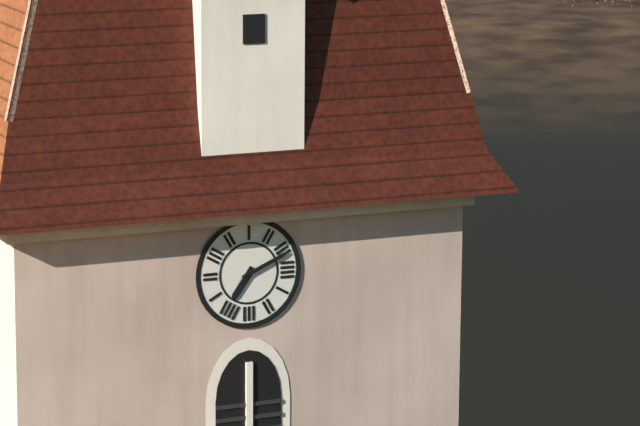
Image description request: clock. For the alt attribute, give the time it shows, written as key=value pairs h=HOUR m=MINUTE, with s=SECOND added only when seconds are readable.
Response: h=7 m=11
